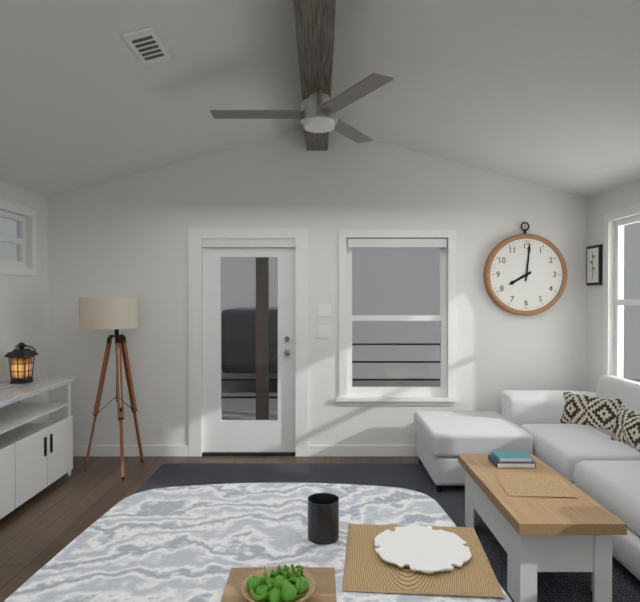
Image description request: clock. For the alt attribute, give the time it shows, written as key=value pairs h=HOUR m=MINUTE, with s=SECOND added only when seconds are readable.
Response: h=8 m=1
